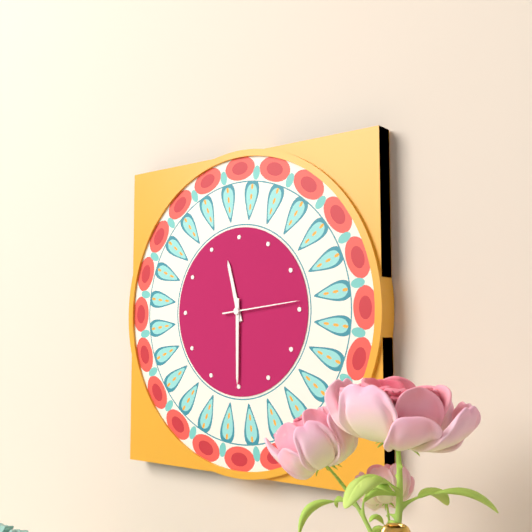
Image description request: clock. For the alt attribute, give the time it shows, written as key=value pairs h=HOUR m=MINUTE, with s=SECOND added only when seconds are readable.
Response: h=11 m=30 s=14
